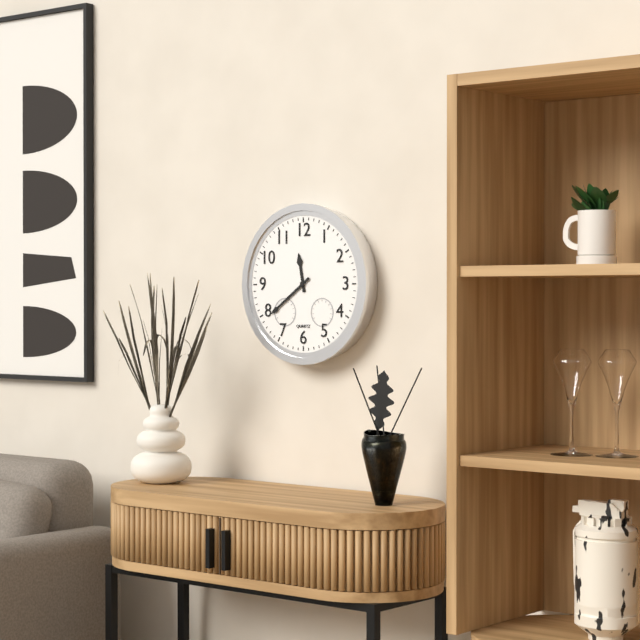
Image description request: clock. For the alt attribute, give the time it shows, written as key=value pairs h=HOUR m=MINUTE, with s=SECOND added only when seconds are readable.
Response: h=11 m=39
